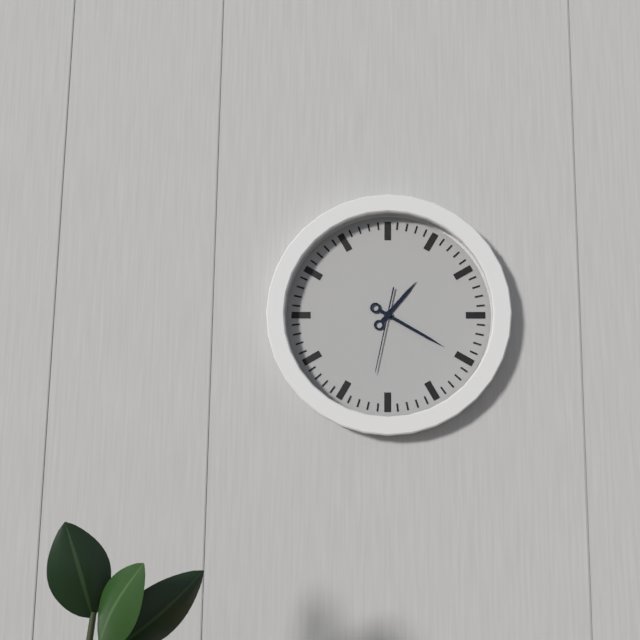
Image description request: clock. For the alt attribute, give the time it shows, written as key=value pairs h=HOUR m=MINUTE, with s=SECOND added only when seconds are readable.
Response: h=1 m=20 s=32
